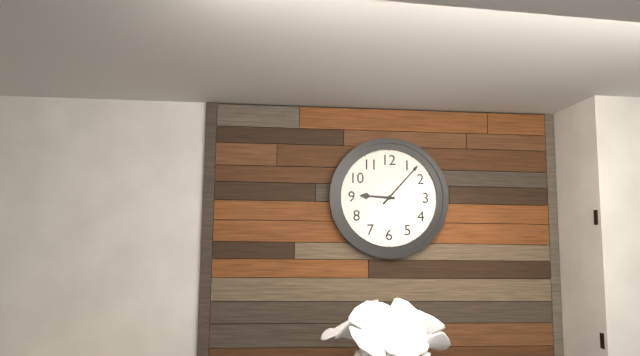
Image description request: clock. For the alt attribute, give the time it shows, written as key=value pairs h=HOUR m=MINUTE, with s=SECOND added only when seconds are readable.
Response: h=9 m=7
